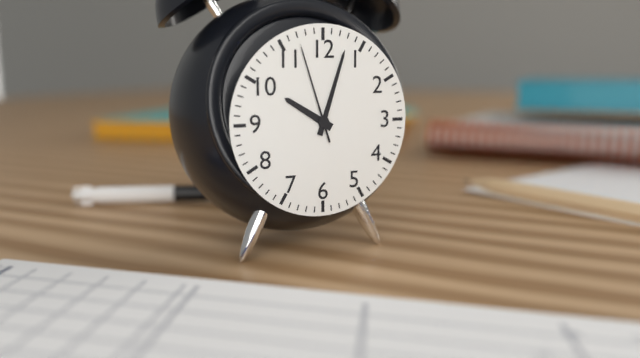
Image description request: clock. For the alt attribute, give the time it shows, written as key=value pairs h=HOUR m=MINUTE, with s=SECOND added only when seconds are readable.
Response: h=10 m=3 s=57
